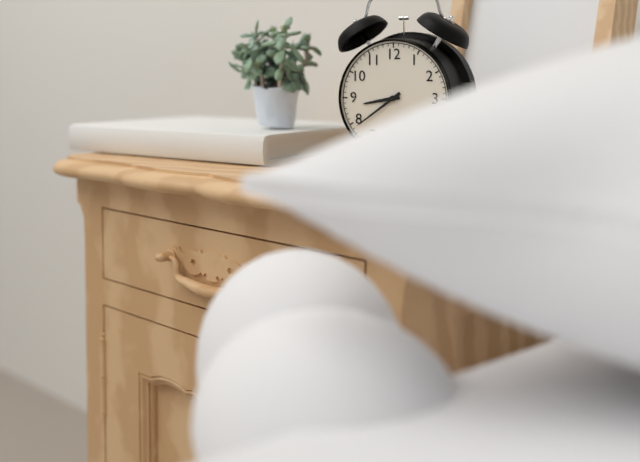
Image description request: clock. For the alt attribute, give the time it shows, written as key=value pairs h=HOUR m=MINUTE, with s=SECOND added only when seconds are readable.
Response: h=8 m=39
